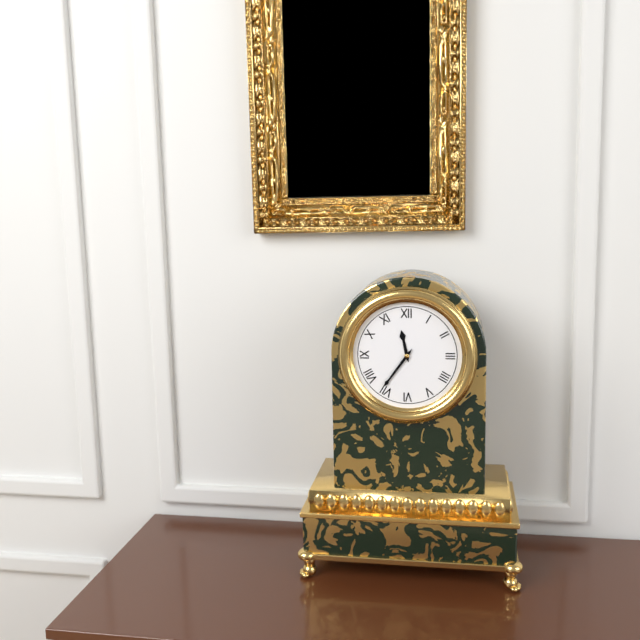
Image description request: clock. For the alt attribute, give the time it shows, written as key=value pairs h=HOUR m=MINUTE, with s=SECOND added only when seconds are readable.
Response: h=11 m=36
